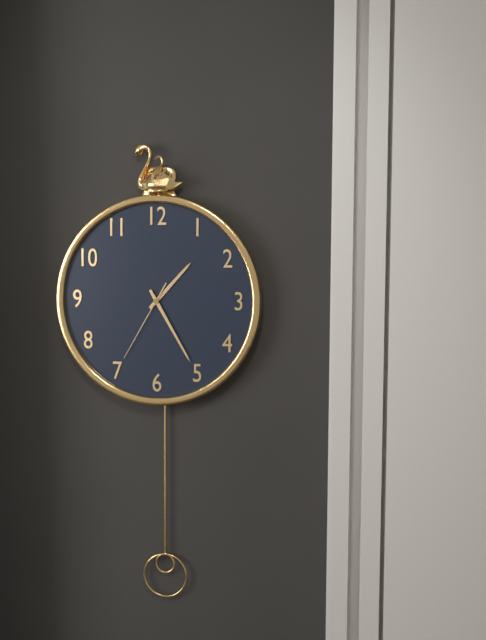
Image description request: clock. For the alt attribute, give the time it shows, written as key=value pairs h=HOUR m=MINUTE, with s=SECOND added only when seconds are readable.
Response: h=1 m=25 s=35
